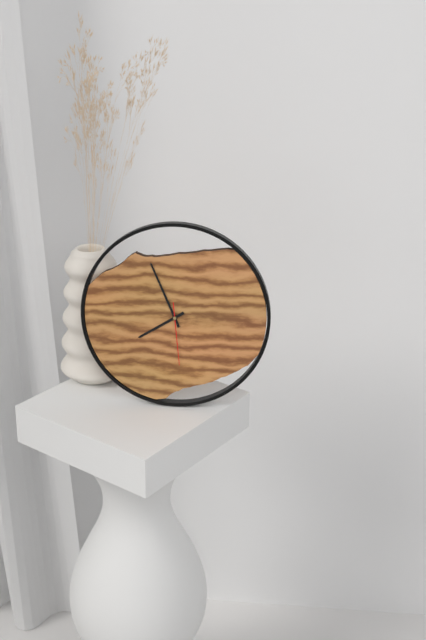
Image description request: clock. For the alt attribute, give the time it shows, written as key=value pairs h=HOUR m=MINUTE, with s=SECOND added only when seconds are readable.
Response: h=7 m=56 s=29
